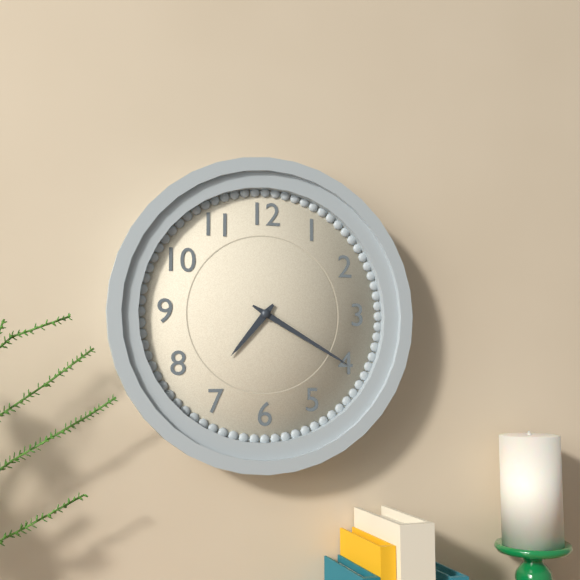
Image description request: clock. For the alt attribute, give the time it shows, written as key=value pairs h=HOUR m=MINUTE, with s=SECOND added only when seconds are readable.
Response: h=7 m=20
